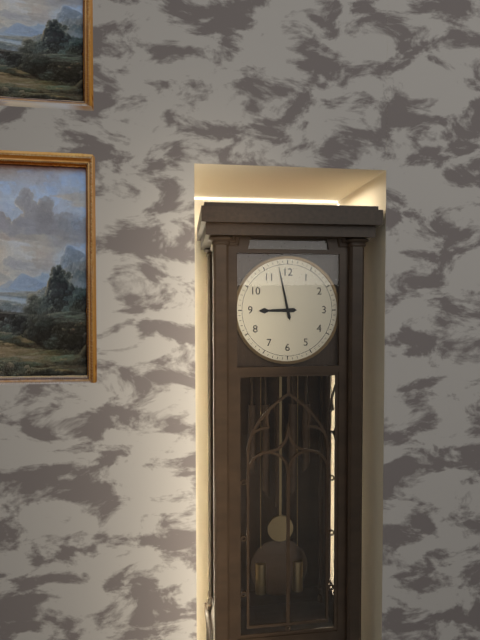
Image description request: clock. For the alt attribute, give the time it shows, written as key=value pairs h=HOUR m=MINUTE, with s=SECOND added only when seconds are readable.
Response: h=8 m=58
